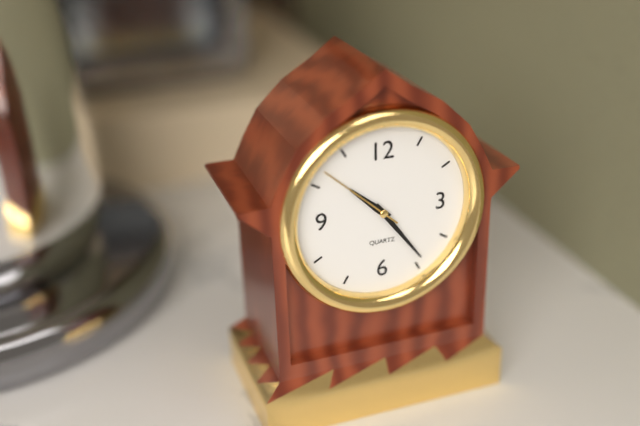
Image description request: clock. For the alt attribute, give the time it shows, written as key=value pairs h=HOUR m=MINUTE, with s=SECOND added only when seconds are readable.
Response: h=10 m=24 s=52
